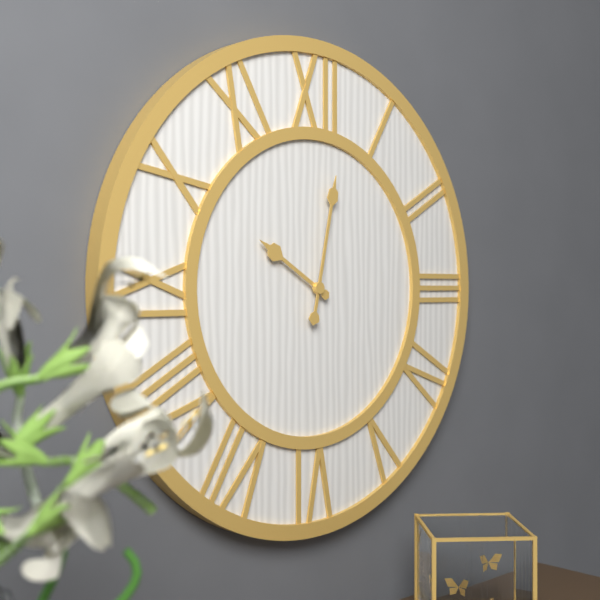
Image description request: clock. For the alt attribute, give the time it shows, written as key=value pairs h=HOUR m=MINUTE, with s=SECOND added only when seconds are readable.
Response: h=10 m=2
